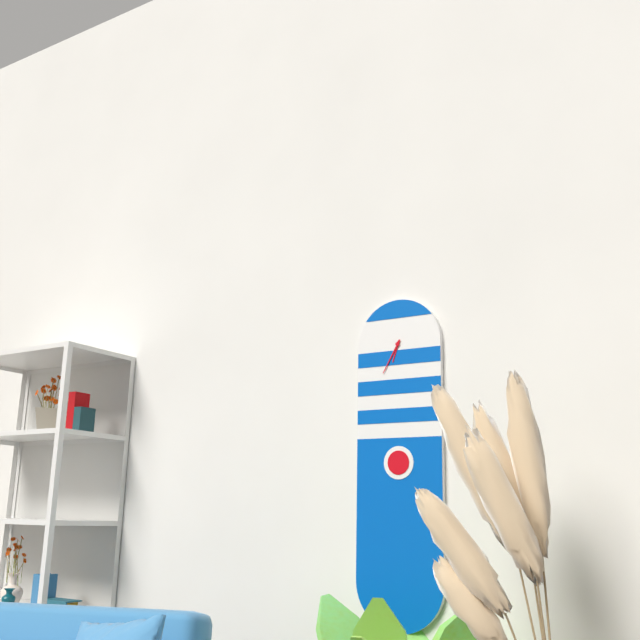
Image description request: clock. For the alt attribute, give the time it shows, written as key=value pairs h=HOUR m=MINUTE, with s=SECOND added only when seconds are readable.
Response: h=6 m=35
